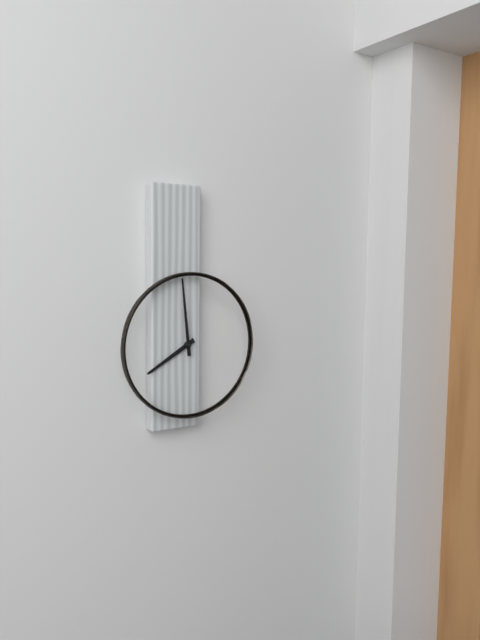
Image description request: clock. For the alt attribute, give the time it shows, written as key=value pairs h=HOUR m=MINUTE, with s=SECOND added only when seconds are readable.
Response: h=7 m=59
